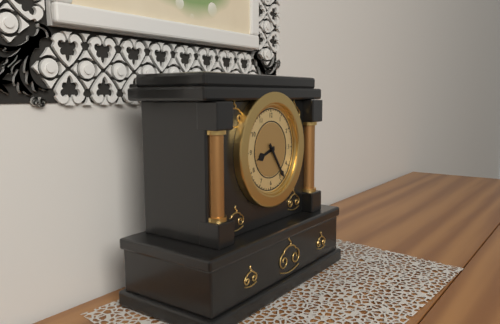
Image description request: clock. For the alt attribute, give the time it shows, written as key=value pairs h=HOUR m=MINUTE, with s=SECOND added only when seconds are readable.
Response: h=8 m=24
